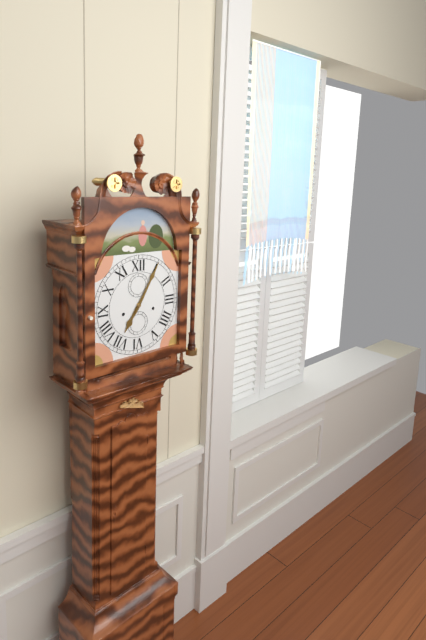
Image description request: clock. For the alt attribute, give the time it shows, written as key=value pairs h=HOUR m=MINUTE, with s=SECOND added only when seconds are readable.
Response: h=7 m=5
